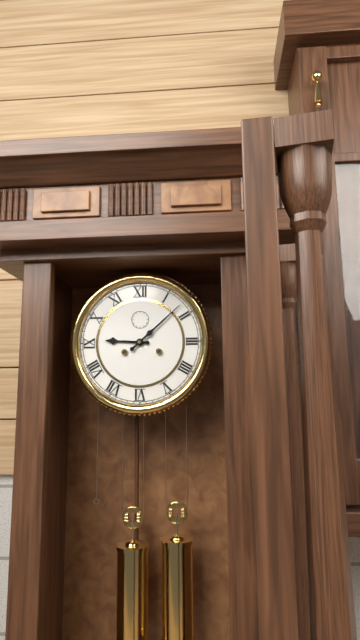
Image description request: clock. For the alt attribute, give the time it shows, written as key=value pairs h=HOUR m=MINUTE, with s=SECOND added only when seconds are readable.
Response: h=9 m=8
